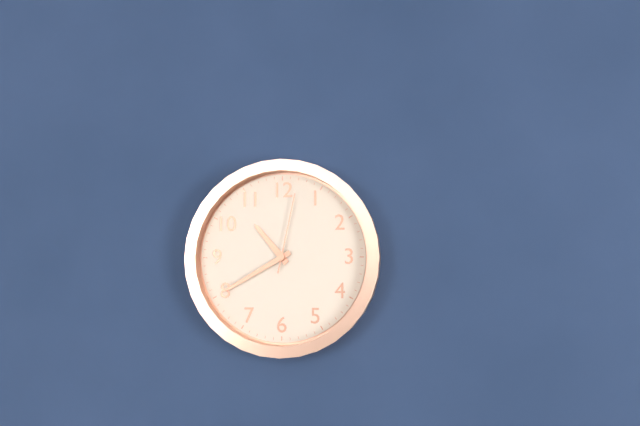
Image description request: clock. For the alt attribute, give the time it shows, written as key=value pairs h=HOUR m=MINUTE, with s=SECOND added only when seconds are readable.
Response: h=10 m=40 s=2
